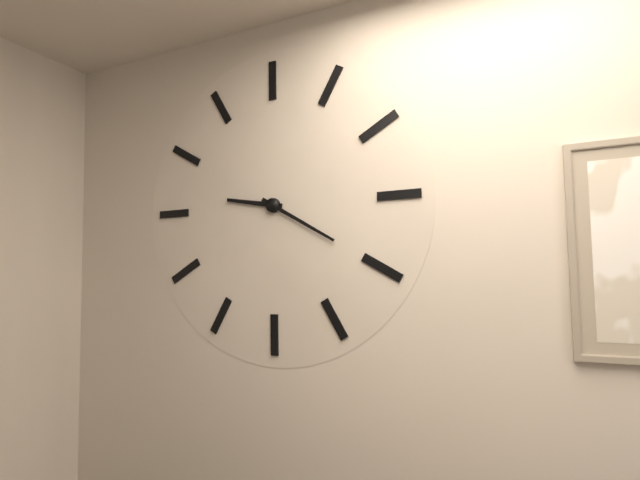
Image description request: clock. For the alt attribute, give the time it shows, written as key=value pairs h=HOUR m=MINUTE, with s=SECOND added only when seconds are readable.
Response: h=9 m=20
